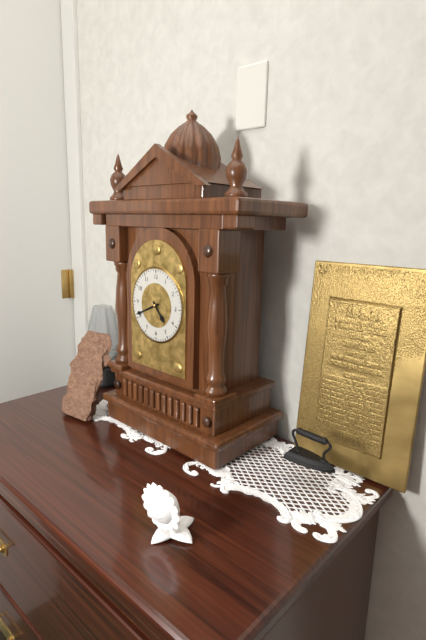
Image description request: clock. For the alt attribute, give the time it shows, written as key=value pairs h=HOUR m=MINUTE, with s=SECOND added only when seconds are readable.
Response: h=4 m=41
